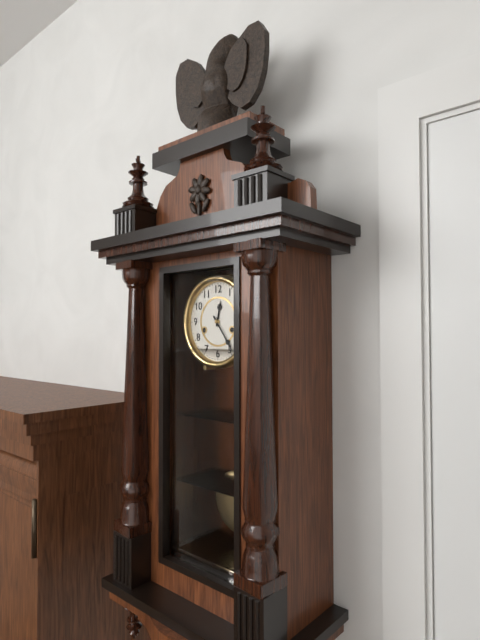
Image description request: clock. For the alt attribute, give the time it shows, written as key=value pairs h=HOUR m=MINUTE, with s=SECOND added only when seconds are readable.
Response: h=12 m=24
